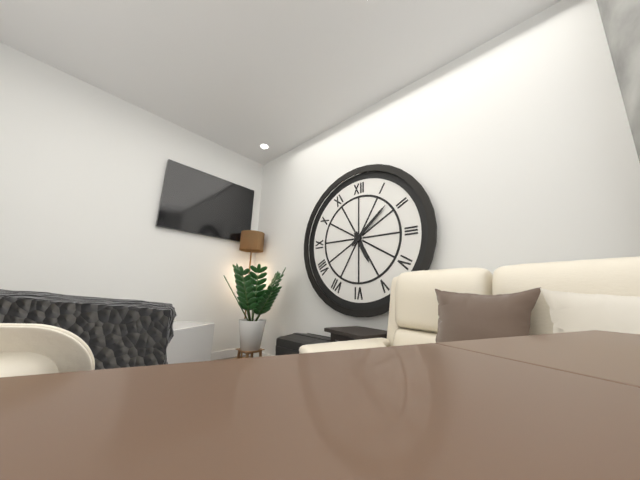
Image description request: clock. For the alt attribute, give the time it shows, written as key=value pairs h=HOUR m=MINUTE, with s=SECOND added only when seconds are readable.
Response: h=5 m=8
